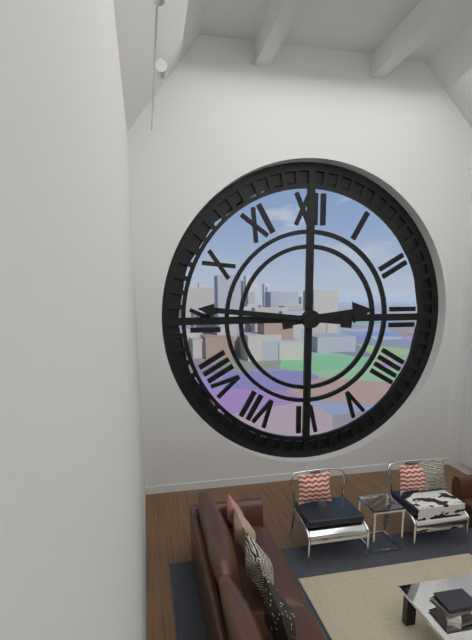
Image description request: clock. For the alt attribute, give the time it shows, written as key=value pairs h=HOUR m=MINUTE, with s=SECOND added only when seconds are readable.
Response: h=2 m=46
